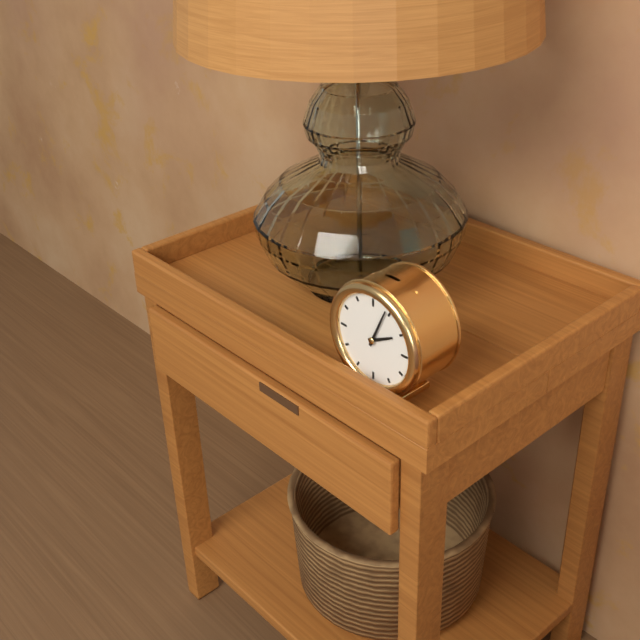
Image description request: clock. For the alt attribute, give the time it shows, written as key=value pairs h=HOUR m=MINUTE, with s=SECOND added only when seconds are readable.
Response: h=2 m=4
